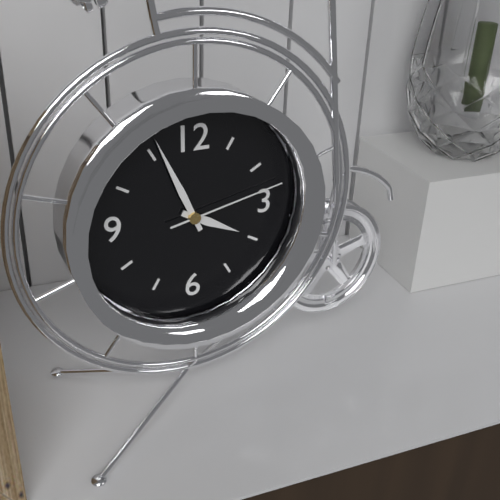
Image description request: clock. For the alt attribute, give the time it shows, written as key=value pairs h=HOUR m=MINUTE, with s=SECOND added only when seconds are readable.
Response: h=3 m=56 s=13
